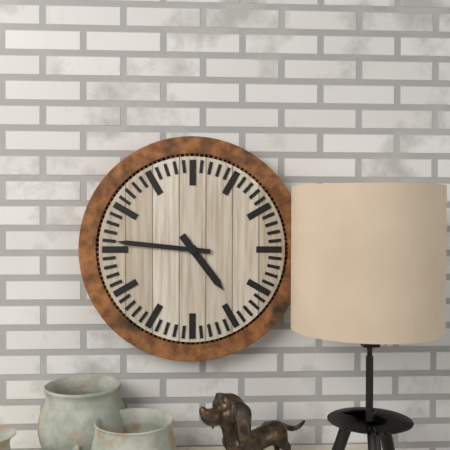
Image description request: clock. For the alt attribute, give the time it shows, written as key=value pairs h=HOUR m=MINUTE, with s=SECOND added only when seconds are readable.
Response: h=4 m=46
